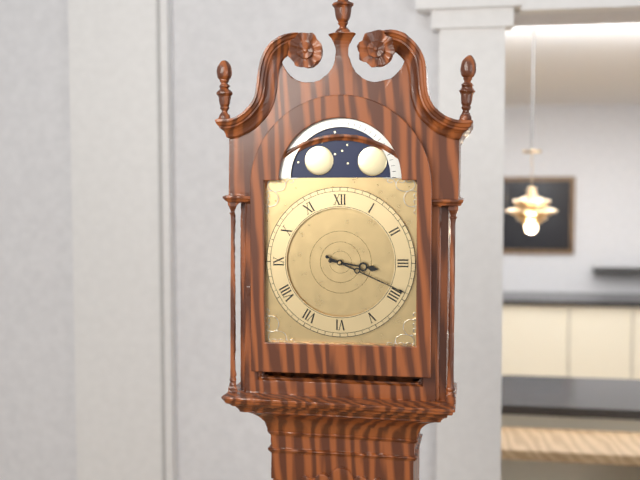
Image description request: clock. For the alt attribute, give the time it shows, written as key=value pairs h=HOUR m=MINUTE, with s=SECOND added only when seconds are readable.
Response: h=3 m=19
